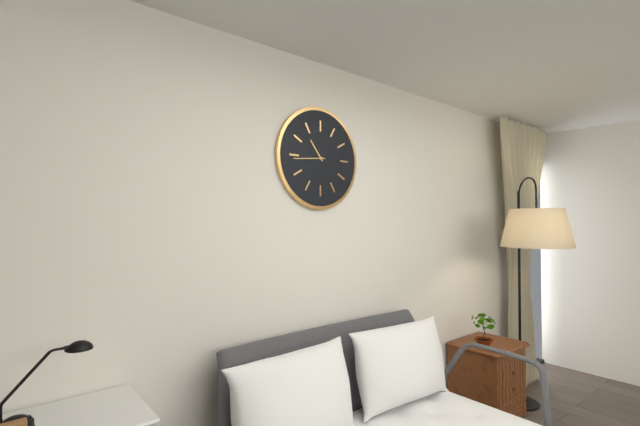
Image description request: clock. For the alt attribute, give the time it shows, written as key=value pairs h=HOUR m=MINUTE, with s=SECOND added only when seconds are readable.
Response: h=10 m=44
